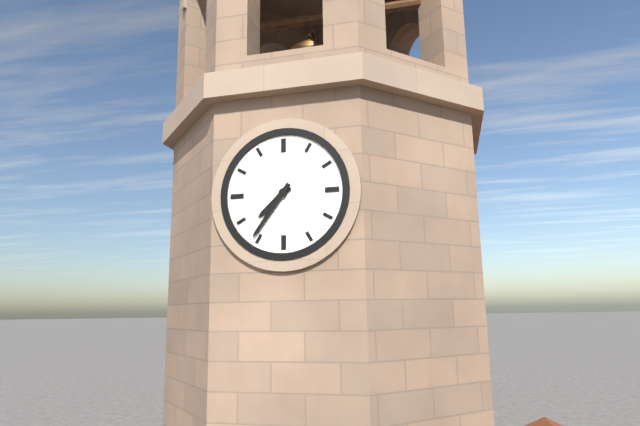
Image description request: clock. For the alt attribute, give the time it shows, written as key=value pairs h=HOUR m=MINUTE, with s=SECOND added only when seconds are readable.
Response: h=7 m=36
